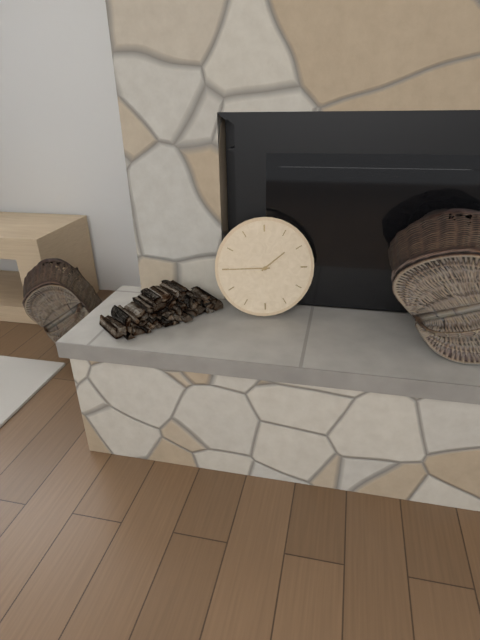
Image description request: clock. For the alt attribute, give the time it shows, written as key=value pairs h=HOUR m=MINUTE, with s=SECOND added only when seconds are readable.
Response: h=1 m=45
